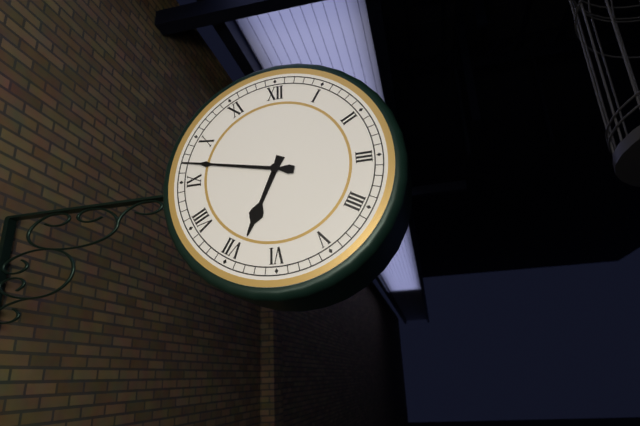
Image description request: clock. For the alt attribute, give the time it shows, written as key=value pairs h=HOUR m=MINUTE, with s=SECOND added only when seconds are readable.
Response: h=6 m=47
